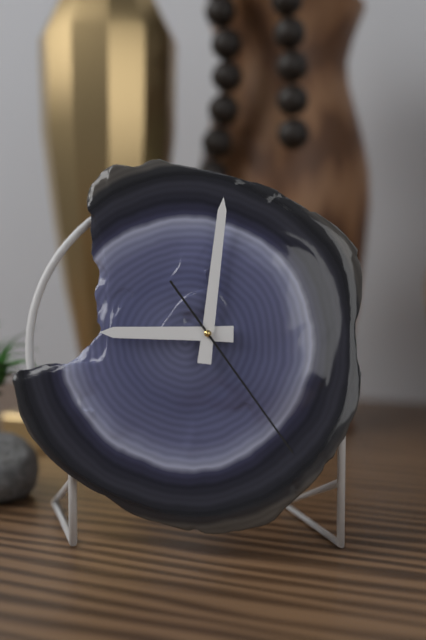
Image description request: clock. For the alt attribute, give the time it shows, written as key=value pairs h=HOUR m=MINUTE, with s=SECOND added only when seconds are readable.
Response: h=9 m=1 s=24
